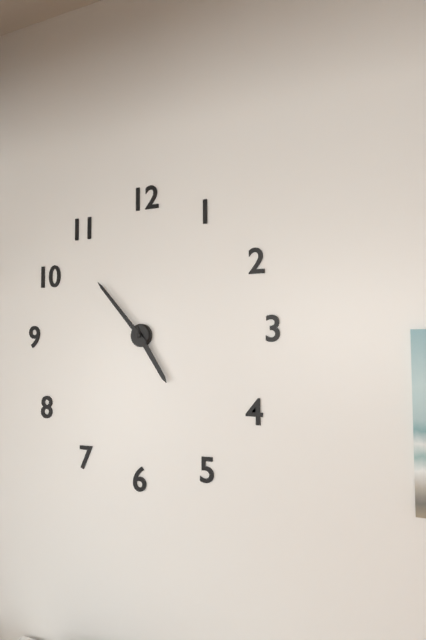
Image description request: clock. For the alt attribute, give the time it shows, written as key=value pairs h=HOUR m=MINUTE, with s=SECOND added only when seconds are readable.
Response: h=4 m=53
